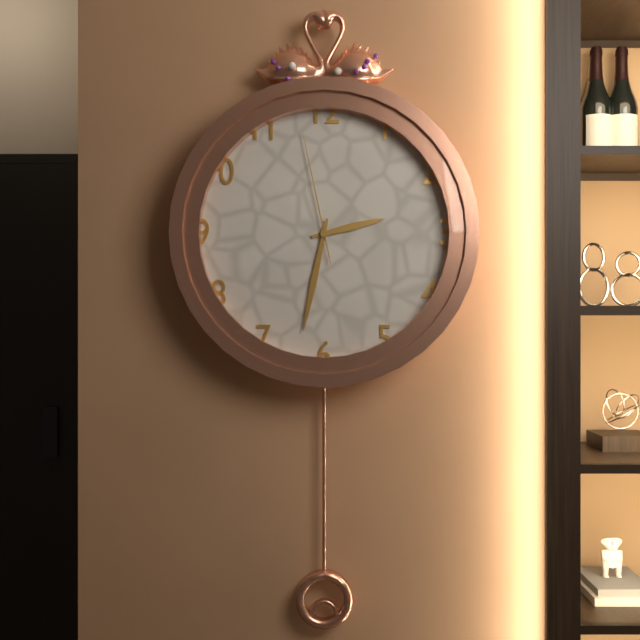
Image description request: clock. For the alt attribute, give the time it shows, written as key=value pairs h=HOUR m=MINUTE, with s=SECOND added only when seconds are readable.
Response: h=2 m=32 s=58
